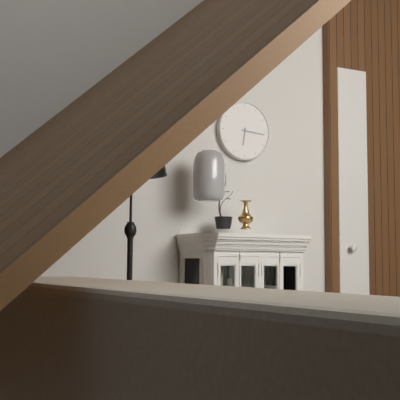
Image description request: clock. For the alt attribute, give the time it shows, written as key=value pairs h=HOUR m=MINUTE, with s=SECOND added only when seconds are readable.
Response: h=6 m=16
